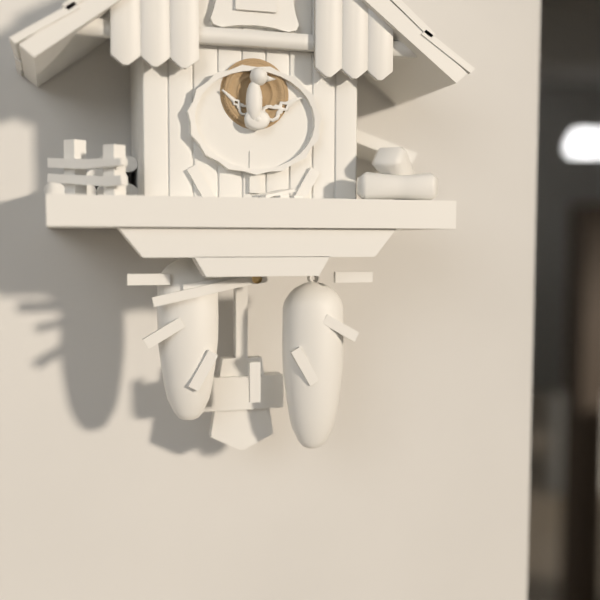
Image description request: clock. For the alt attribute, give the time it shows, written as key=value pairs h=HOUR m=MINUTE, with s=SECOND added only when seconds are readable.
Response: h=8 m=43
